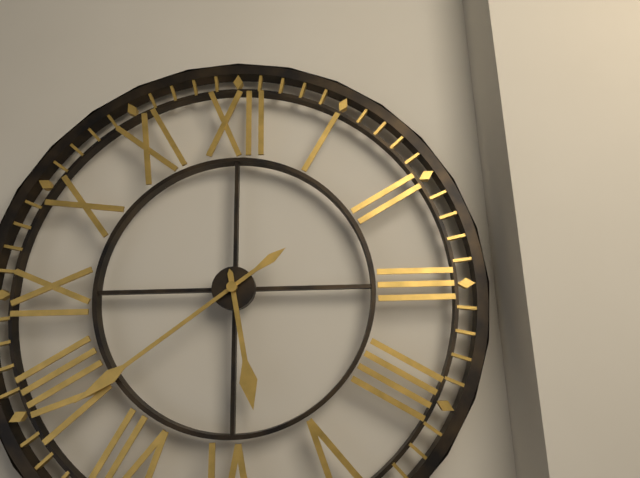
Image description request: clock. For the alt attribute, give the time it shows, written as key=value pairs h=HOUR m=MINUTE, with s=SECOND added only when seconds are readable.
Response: h=5 m=39
